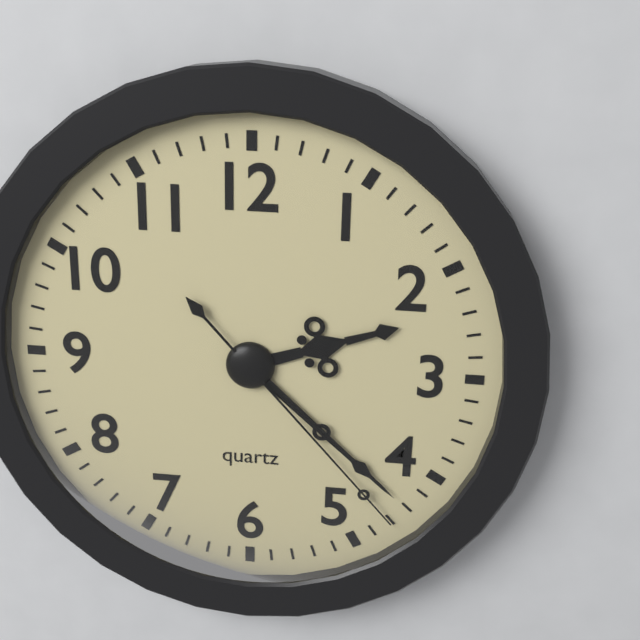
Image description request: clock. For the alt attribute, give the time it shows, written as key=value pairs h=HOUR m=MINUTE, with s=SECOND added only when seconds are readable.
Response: h=2 m=22 s=23
